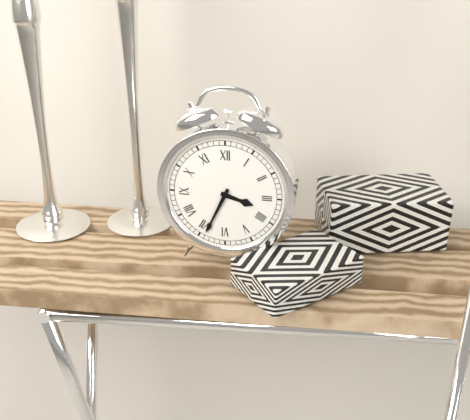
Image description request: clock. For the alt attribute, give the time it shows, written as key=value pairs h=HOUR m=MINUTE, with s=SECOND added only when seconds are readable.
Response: h=3 m=34
